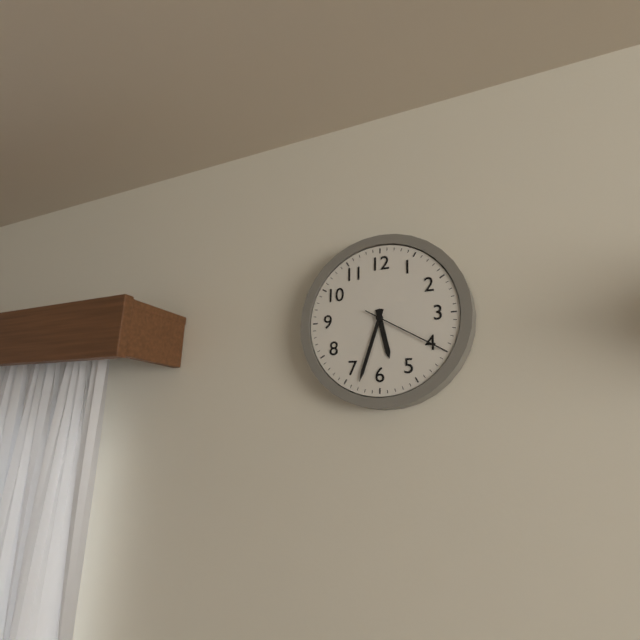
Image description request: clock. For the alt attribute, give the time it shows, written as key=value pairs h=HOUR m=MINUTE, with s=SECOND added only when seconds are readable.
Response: h=5 m=33 s=20
